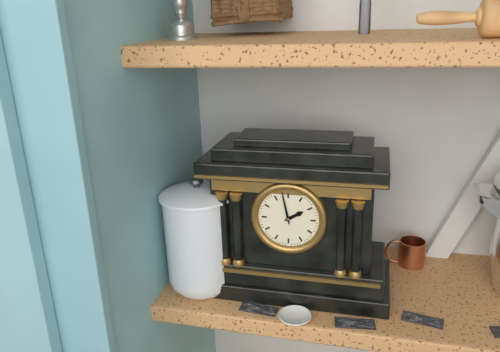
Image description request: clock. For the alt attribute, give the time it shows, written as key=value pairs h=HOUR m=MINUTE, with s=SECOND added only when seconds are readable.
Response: h=1 m=58
